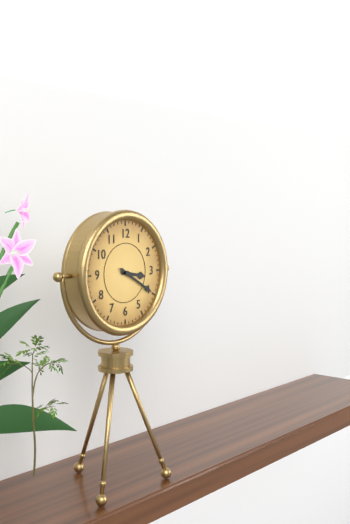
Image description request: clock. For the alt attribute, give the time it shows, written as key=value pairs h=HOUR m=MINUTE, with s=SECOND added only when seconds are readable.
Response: h=3 m=20
